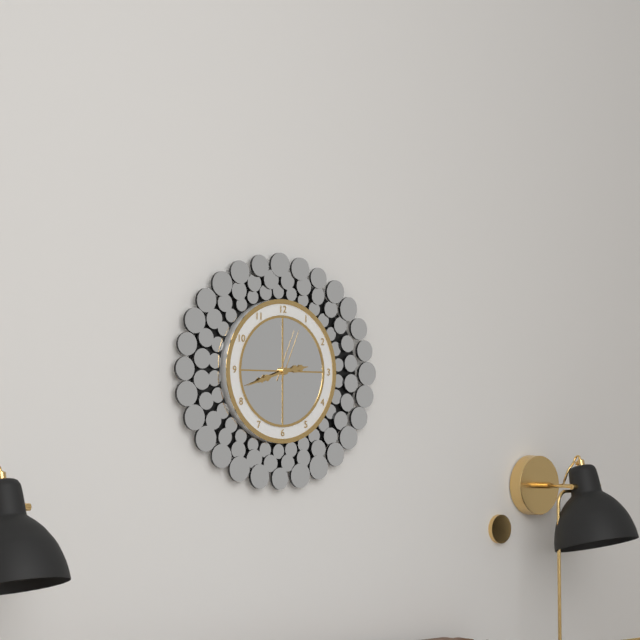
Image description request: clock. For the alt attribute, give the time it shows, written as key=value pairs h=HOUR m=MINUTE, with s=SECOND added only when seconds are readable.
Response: h=2 m=42 s=4
